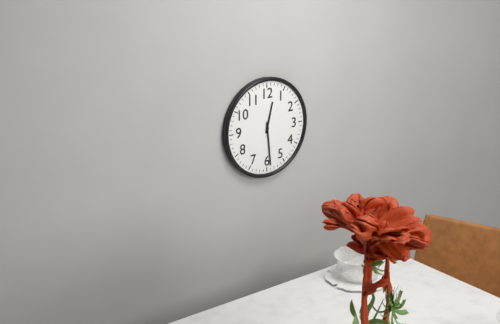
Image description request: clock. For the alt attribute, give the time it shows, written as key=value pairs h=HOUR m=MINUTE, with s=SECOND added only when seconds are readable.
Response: h=12 m=29
